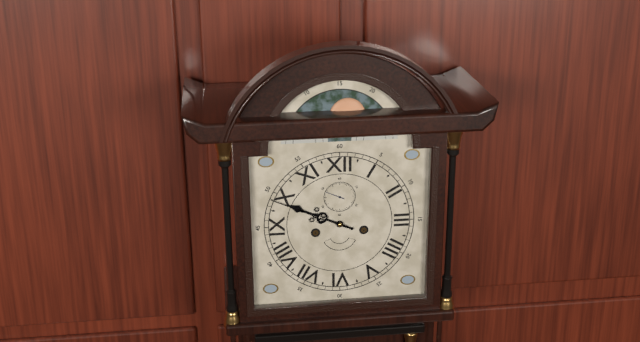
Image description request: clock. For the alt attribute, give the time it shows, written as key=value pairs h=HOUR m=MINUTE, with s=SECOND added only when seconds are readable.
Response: h=9 m=49
